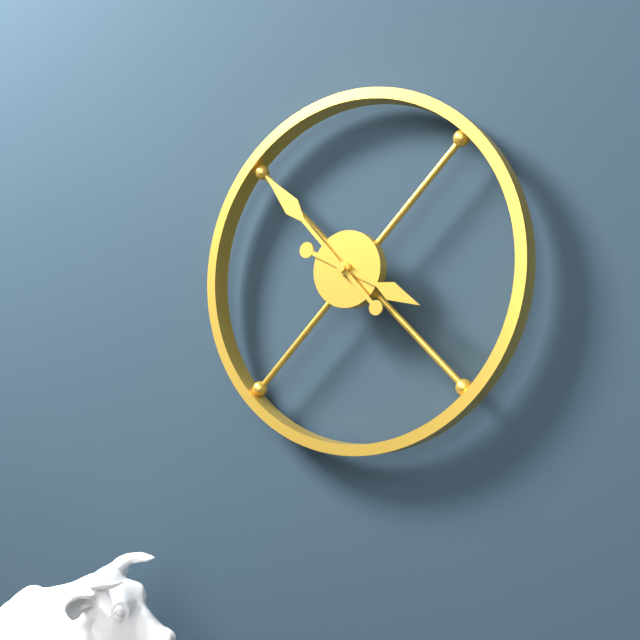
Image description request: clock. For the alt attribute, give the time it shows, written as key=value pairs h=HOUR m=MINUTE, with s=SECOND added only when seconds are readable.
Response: h=3 m=53
